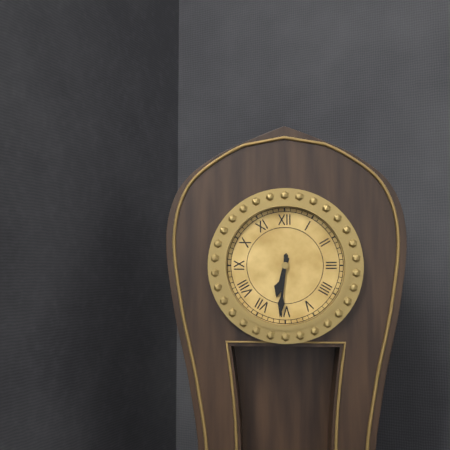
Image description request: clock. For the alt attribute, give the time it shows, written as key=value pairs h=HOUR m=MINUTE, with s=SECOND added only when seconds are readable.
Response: h=6 m=31
